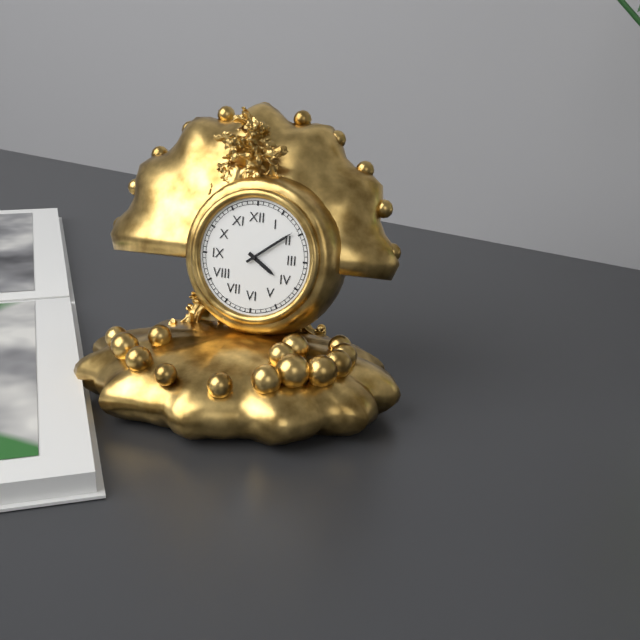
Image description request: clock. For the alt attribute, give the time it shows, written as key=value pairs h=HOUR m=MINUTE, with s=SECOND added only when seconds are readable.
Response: h=4 m=9
